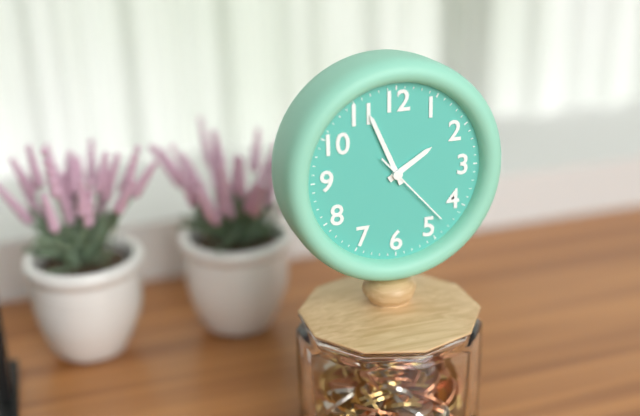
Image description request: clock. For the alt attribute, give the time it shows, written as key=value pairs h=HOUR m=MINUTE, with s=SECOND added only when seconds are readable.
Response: h=1 m=56 s=23
